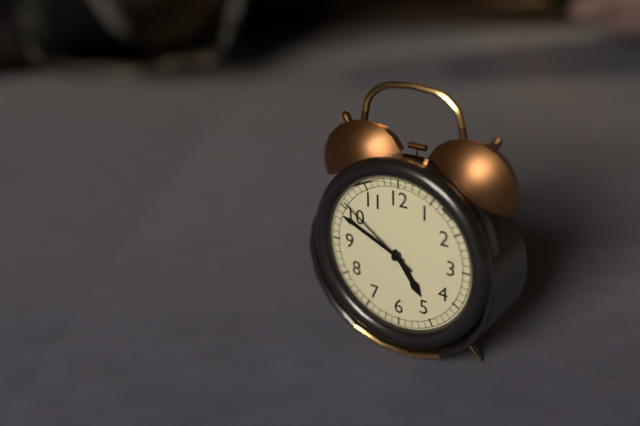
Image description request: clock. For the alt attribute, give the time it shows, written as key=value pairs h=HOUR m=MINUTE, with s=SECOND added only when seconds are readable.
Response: h=4 m=49 s=51
